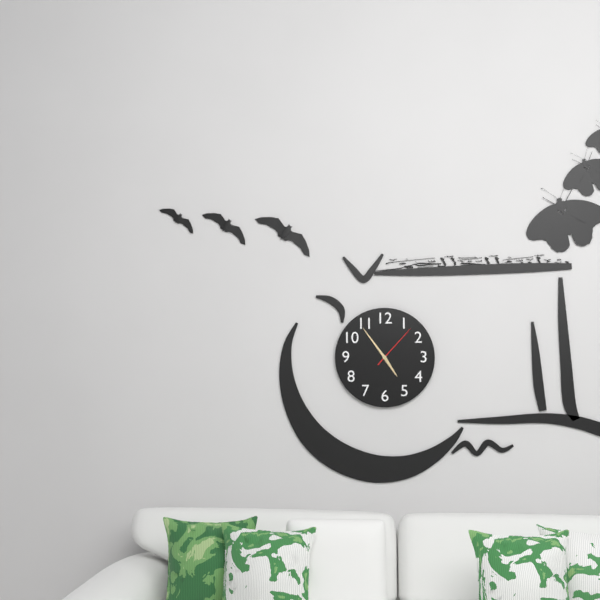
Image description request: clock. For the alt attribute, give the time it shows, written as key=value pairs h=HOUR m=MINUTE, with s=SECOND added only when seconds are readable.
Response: h=4 m=54
